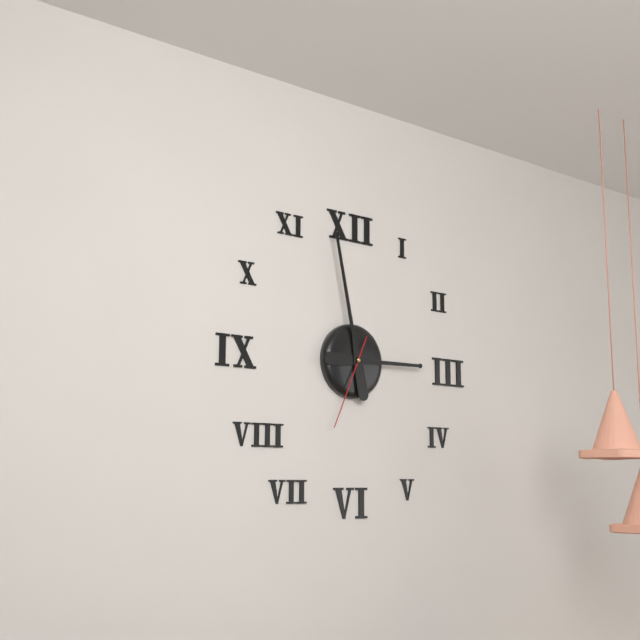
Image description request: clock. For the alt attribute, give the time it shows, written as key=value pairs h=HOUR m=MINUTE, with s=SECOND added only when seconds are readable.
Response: h=2 m=58 s=34
